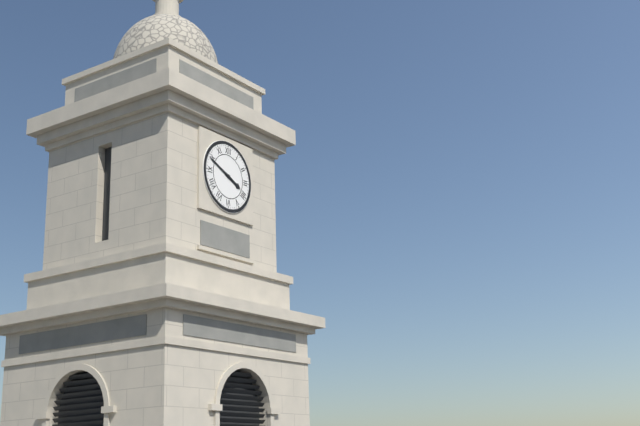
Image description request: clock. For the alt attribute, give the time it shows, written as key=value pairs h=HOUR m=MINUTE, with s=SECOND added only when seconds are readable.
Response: h=3 m=49
